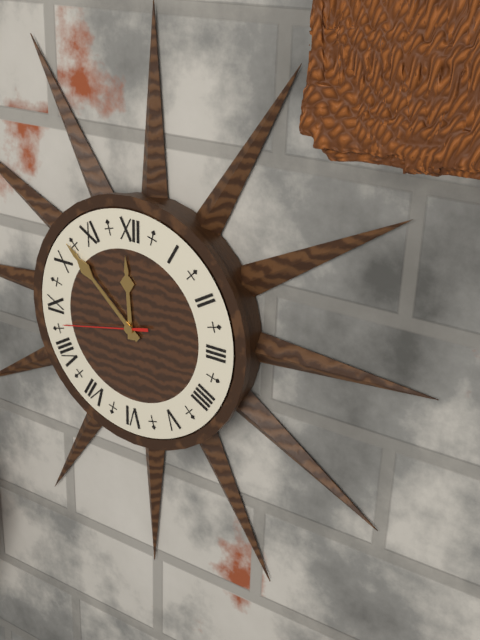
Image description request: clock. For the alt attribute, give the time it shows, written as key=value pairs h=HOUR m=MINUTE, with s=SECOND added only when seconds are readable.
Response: h=11 m=52 s=43
